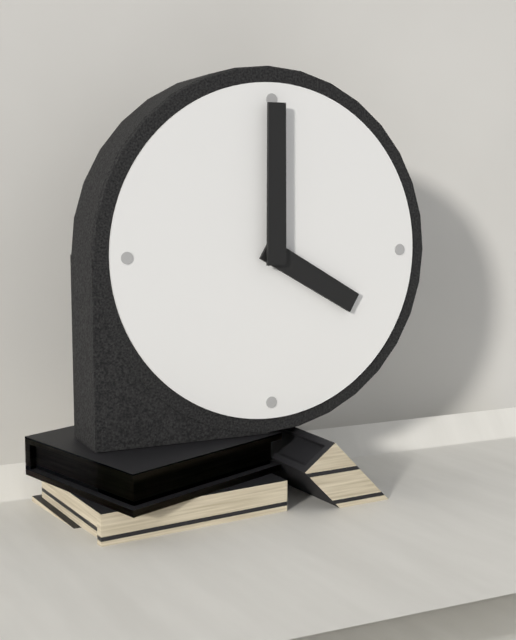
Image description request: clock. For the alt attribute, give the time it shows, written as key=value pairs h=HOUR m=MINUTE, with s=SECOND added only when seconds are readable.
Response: h=4 m=0
